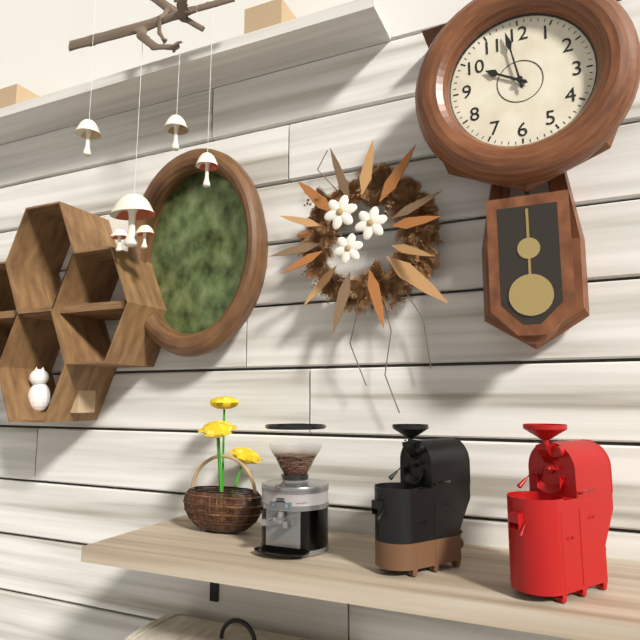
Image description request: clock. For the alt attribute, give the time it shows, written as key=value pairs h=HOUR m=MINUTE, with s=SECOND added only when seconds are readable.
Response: h=9 m=58
